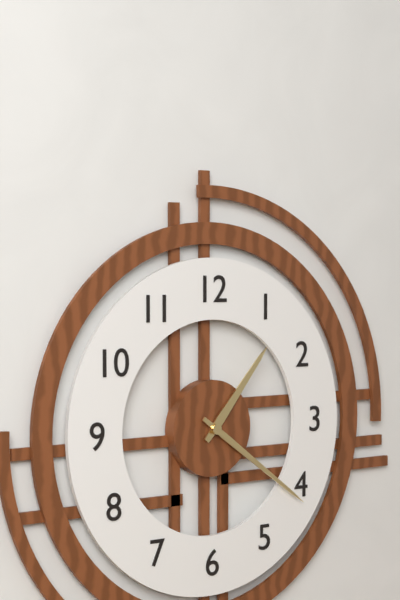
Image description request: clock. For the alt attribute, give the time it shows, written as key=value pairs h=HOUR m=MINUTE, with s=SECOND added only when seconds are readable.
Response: h=1 m=21
